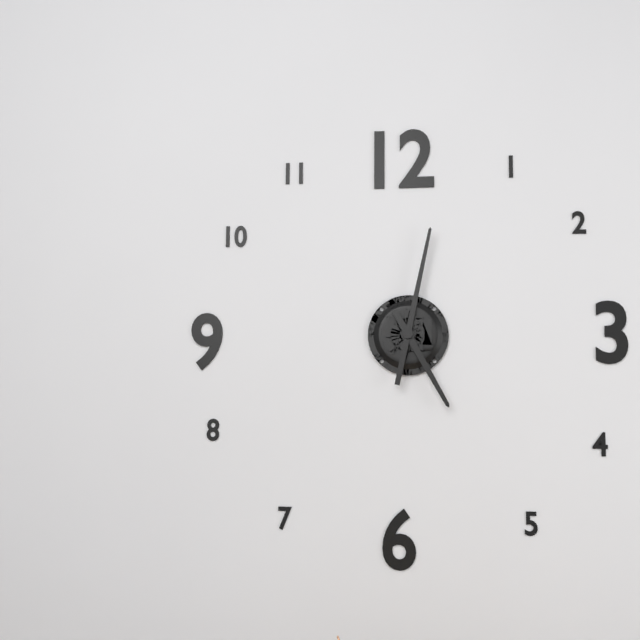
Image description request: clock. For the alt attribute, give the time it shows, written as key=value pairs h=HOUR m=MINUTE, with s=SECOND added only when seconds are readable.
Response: h=5 m=2
